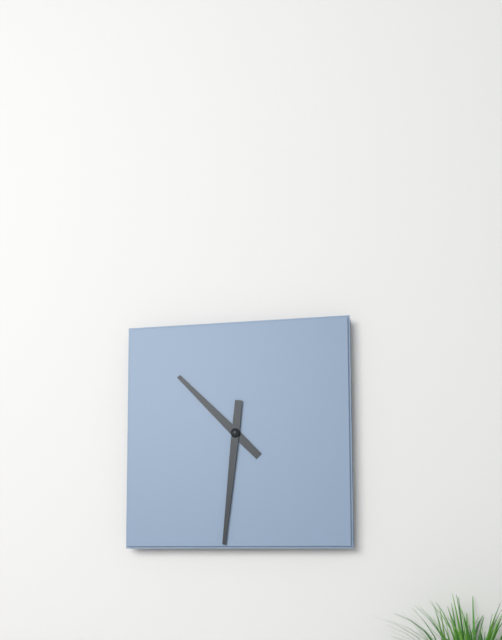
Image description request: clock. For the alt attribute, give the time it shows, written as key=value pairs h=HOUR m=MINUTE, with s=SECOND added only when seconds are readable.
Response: h=10 m=31
